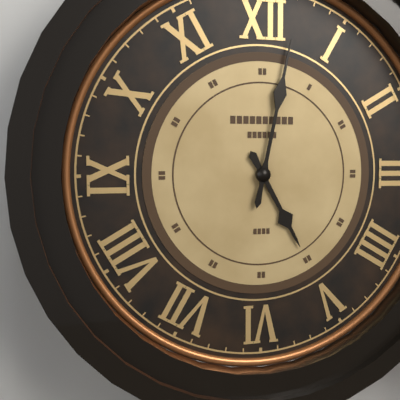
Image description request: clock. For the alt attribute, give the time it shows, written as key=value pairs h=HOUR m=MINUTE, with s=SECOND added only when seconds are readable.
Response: h=5 m=2
